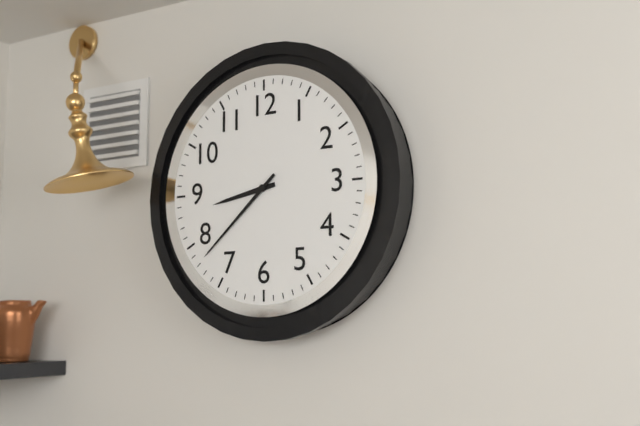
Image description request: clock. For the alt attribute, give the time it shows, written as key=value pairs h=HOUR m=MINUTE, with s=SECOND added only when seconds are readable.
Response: h=8 m=38
